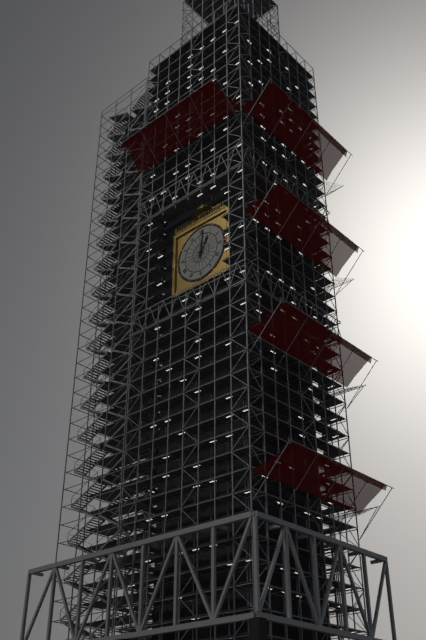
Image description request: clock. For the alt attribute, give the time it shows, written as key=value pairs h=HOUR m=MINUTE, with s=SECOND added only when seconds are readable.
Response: h=1 m=1
